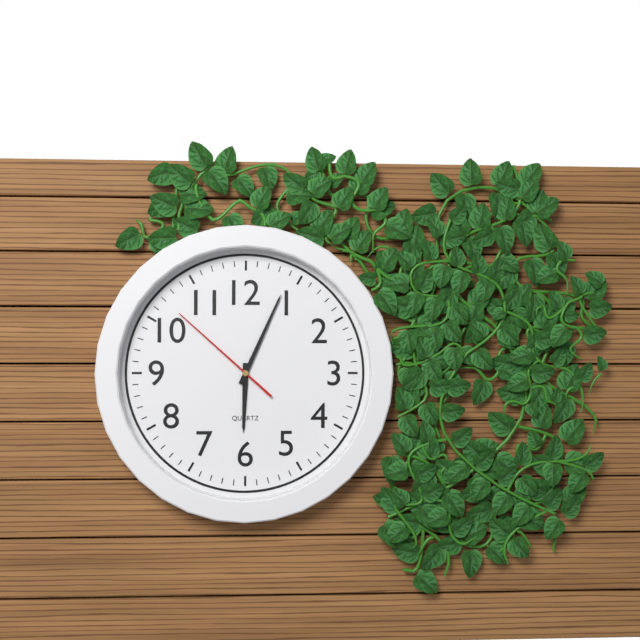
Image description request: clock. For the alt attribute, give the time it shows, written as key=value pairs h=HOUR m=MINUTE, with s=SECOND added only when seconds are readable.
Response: h=6 m=4 s=52
